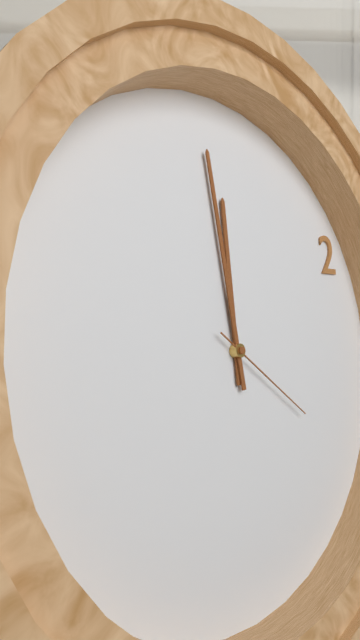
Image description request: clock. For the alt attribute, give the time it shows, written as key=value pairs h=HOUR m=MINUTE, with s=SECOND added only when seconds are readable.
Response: h=11 m=59 s=21
